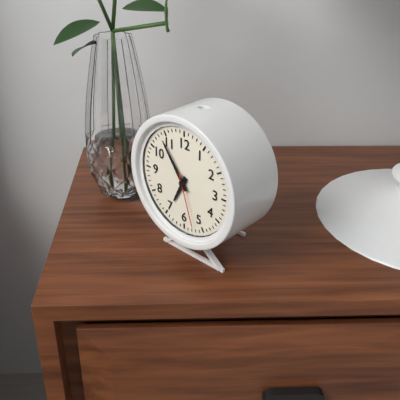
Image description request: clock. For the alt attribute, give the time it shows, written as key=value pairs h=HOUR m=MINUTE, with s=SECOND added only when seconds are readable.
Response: h=6 m=54 s=27
